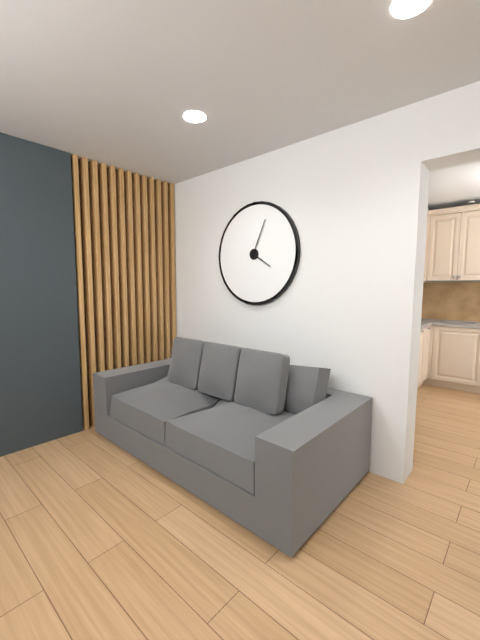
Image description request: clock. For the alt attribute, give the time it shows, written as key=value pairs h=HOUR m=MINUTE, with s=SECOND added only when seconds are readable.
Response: h=4 m=4
